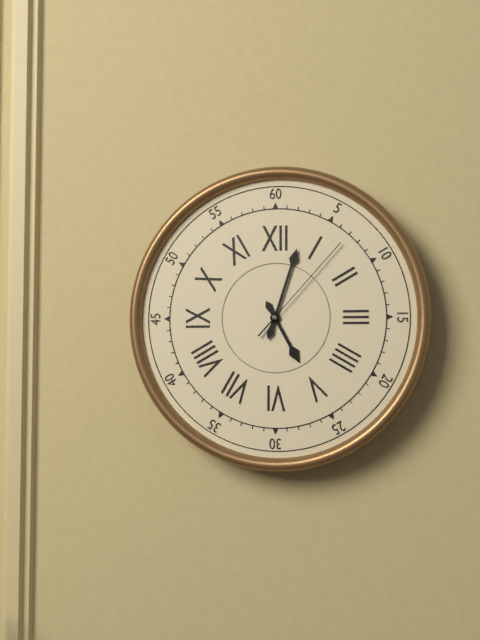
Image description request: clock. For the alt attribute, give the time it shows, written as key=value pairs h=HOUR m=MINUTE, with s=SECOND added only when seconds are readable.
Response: h=5 m=3 s=7
